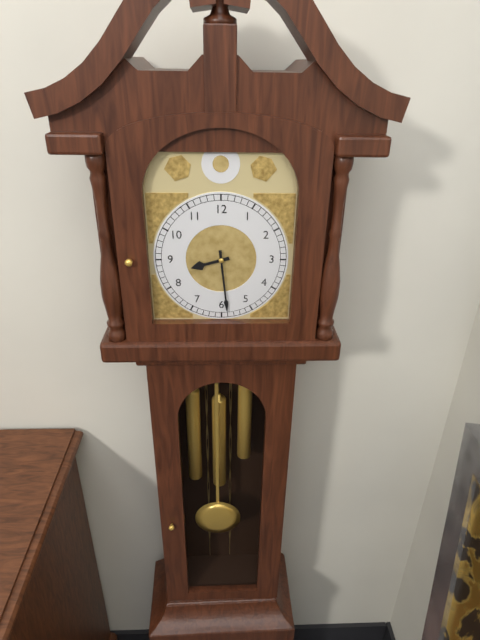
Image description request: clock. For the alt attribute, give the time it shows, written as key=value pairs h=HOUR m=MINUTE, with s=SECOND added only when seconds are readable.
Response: h=8 m=29
